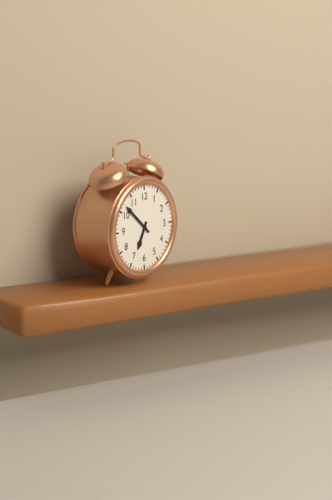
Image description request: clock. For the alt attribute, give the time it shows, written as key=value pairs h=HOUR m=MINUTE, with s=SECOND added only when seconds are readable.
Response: h=6 m=52
